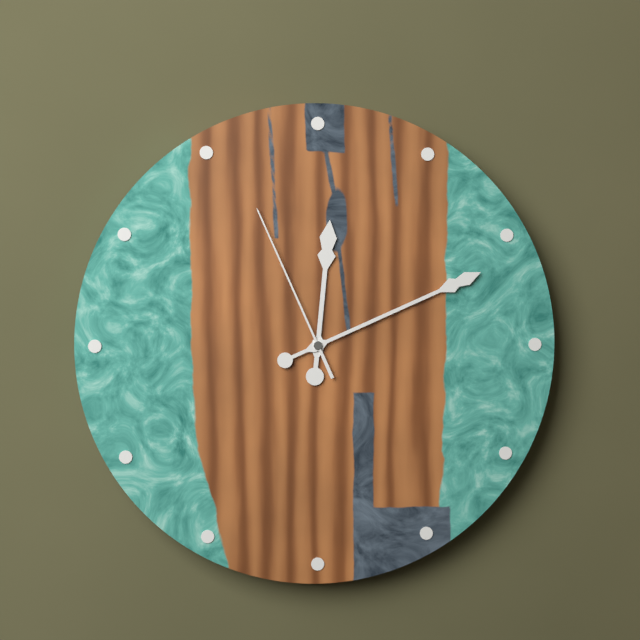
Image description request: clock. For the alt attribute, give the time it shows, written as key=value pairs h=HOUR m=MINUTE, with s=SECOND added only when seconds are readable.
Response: h=12 m=11 s=56
